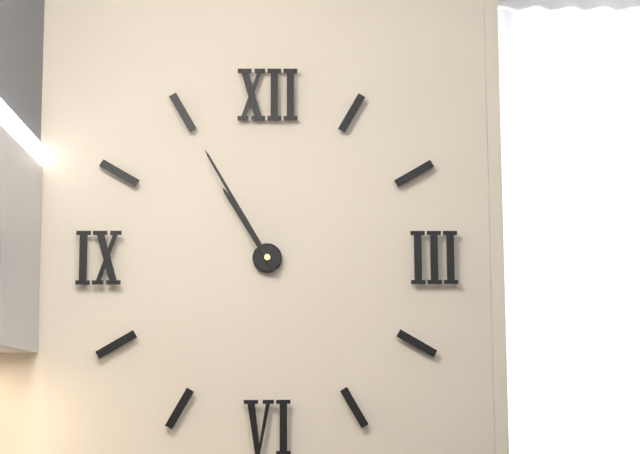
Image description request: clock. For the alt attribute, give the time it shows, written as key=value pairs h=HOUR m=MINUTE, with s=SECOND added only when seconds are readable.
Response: h=10 m=55
